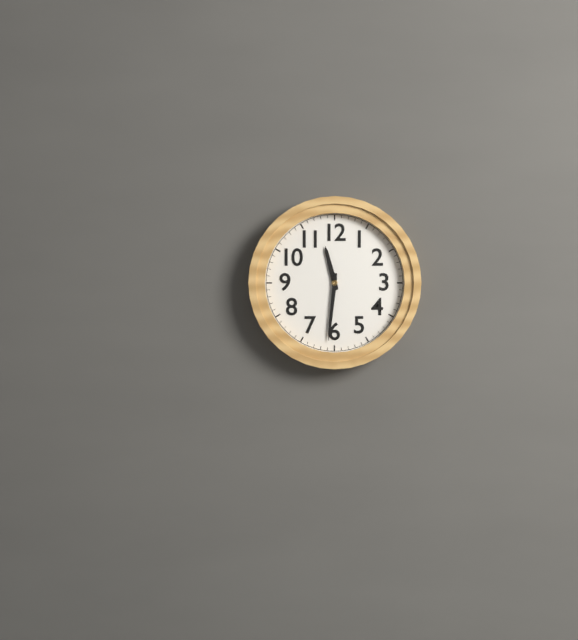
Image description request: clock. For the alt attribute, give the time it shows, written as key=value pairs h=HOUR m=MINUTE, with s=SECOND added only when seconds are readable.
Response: h=11 m=31
